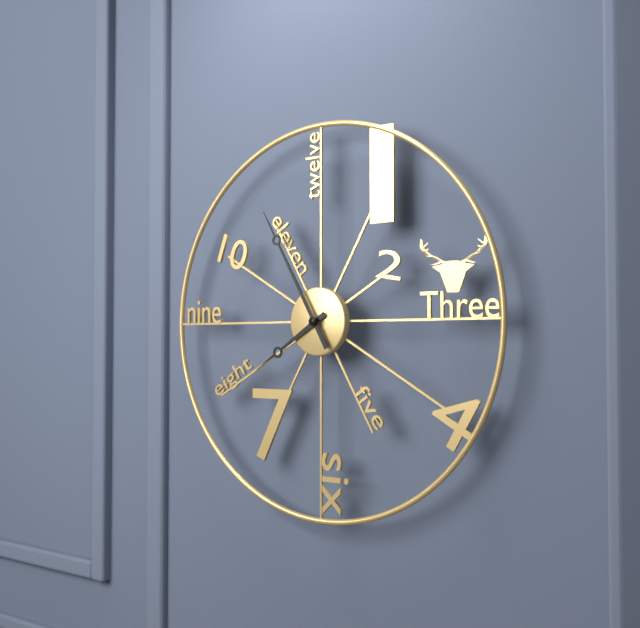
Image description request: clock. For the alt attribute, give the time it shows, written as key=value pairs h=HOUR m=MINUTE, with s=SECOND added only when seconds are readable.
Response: h=7 m=55
